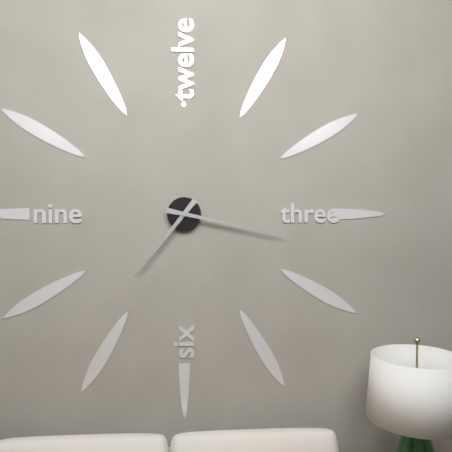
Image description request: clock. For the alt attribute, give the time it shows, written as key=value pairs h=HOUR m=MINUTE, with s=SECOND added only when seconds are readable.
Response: h=7 m=17
